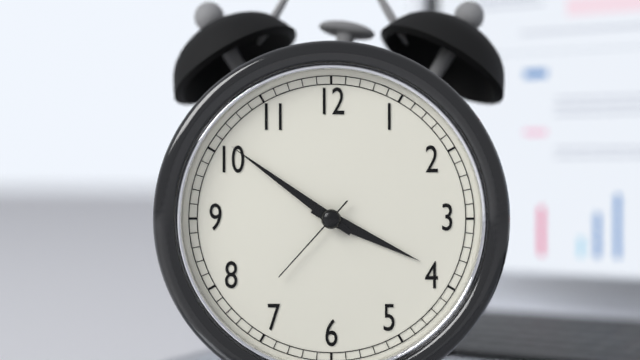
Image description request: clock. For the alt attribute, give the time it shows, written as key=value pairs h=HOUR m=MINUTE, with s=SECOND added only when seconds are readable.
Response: h=3 m=51 s=37
